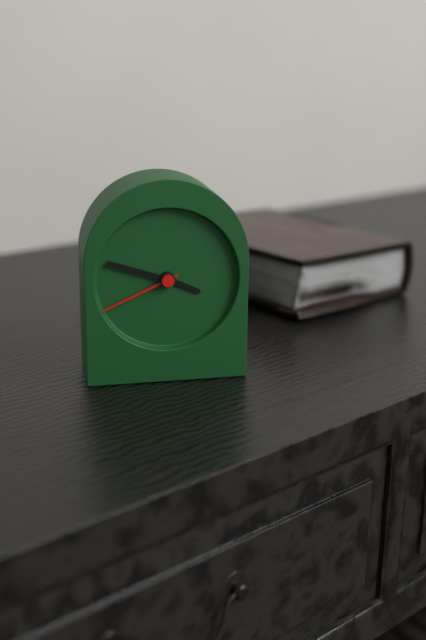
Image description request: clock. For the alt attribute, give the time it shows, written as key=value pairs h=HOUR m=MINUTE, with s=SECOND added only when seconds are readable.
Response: h=3 m=48 s=41
